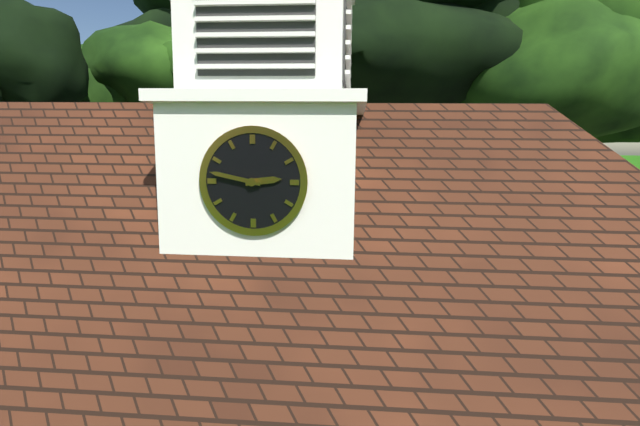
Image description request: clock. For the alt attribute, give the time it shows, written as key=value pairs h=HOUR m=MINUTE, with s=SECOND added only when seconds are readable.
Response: h=2 m=47
